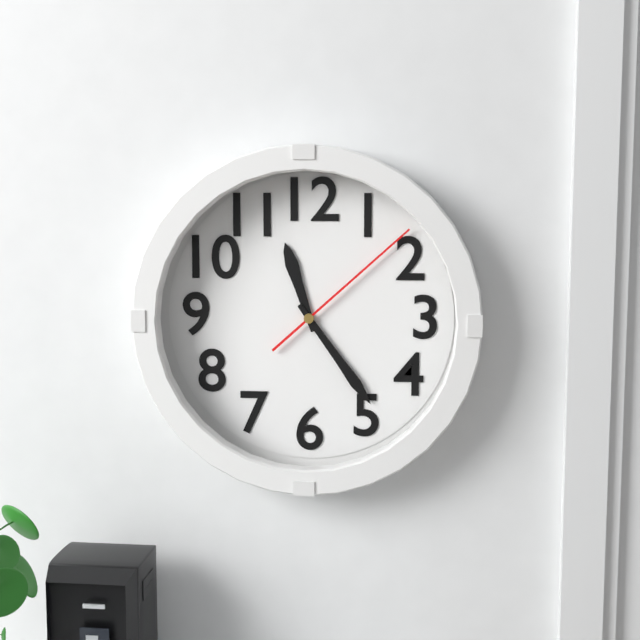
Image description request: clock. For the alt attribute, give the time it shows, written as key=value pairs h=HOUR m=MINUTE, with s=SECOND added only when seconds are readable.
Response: h=11 m=24 s=8
